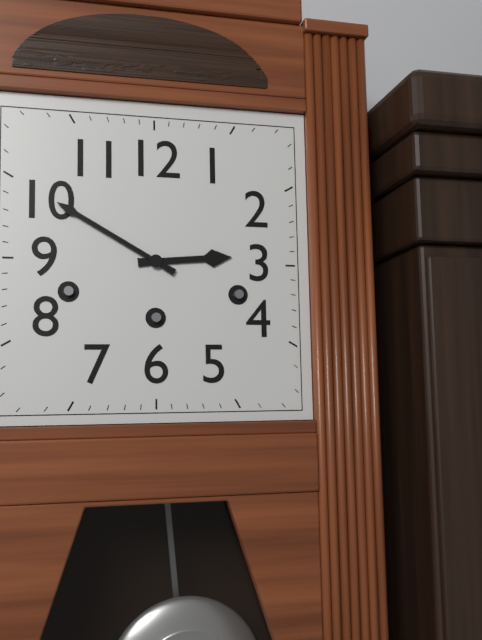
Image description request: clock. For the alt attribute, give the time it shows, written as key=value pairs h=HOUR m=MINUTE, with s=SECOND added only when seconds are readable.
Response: h=2 m=50
